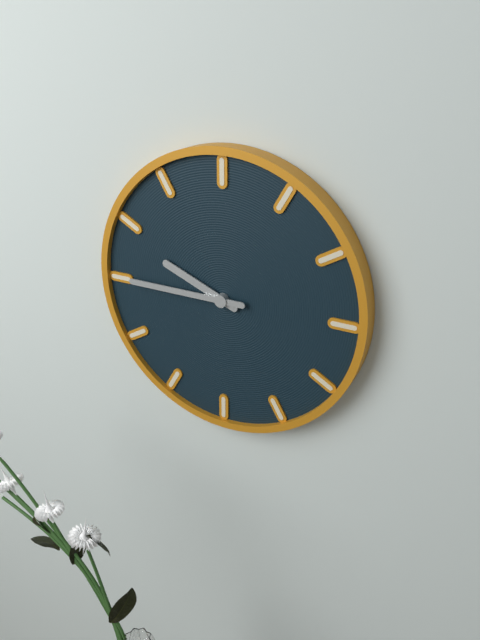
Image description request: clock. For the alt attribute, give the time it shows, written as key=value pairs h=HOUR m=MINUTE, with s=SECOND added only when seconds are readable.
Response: h=9 m=45
